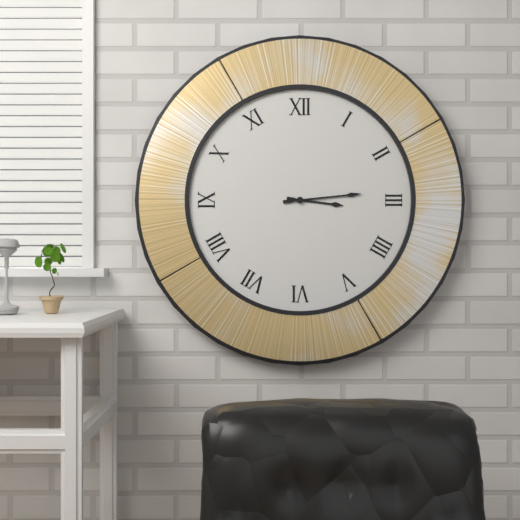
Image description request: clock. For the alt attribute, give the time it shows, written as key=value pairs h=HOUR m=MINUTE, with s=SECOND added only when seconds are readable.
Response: h=3 m=14
